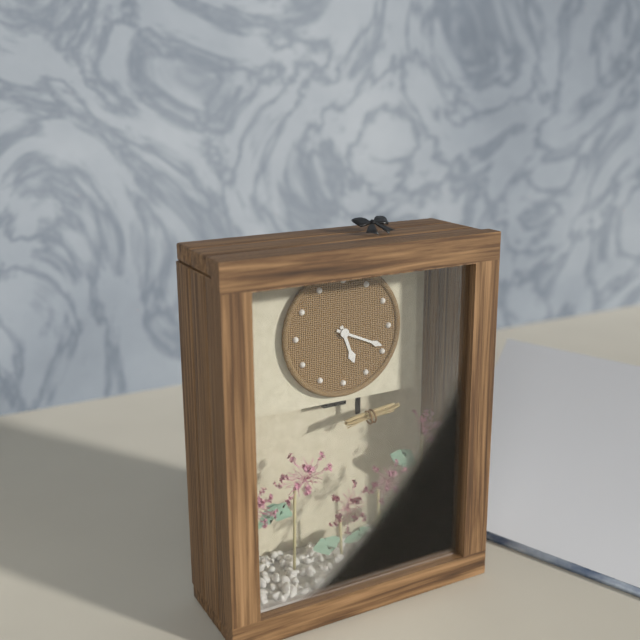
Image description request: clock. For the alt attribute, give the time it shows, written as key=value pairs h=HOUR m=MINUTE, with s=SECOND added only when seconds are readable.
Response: h=5 m=19
